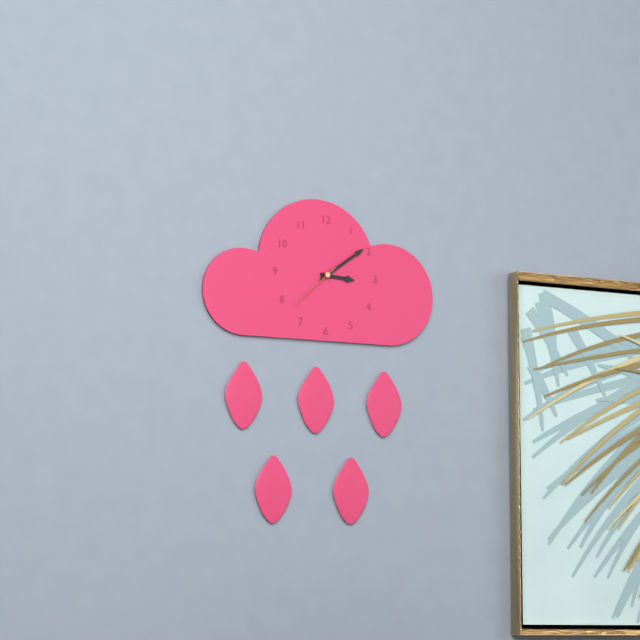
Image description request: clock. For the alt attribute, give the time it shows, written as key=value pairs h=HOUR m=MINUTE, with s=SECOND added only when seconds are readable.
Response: h=3 m=9
